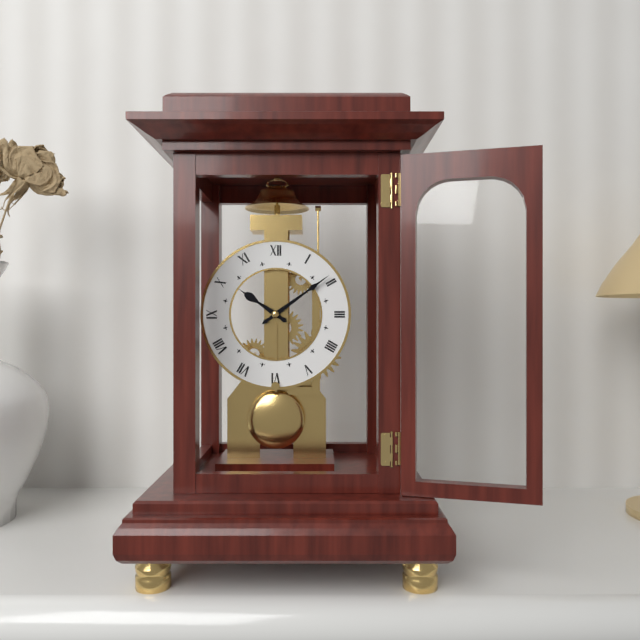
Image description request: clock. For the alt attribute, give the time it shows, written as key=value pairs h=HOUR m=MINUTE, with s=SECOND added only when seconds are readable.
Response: h=10 m=9
